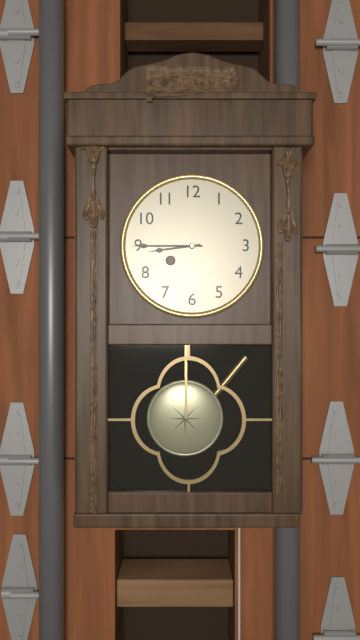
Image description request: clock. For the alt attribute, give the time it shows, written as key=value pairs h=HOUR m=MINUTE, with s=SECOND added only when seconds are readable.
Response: h=8 m=45
